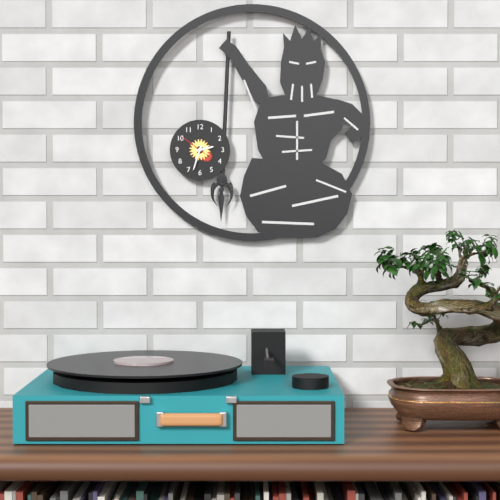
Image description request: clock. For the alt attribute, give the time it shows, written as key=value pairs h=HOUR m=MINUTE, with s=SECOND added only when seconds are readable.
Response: h=2 m=33
